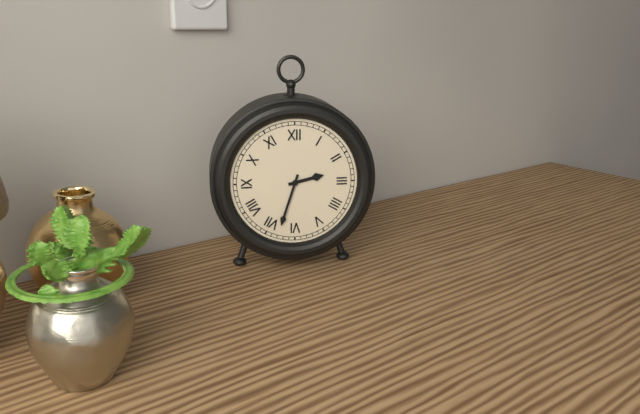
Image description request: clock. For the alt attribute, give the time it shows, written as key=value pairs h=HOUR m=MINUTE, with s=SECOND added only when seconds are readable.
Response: h=2 m=33
